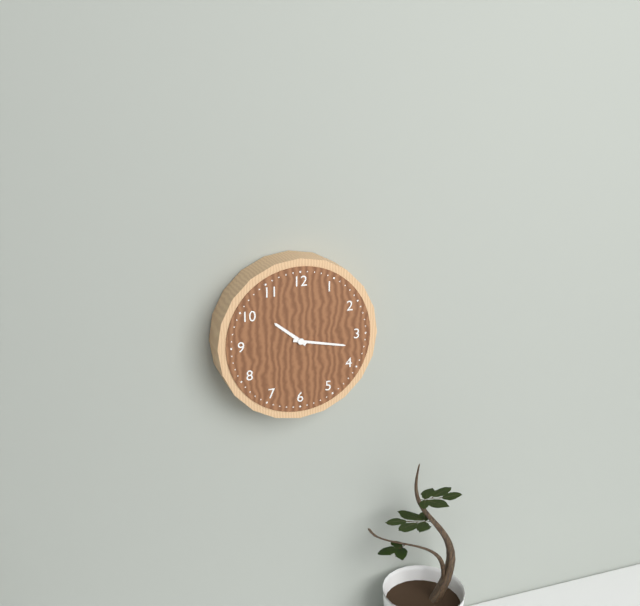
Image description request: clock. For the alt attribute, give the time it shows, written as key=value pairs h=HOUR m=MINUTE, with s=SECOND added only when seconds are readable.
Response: h=10 m=17
